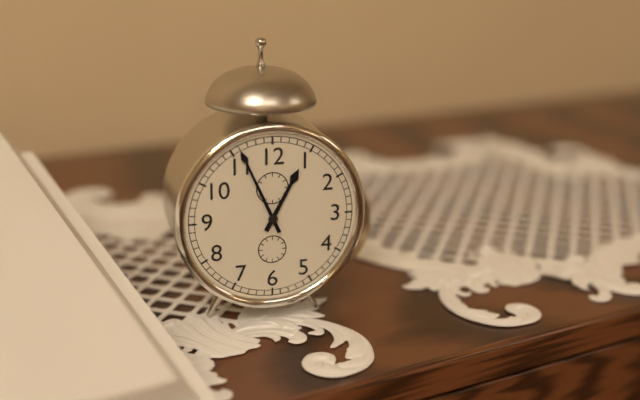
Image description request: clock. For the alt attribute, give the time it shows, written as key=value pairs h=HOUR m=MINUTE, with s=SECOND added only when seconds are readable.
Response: h=12 m=56
